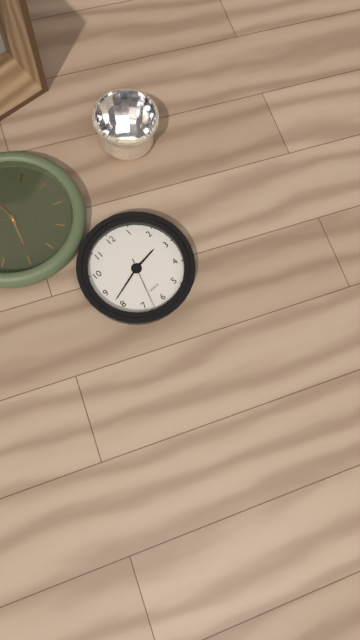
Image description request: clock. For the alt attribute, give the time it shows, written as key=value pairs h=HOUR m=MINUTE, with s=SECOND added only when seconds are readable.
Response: h=2 m=42 s=33
